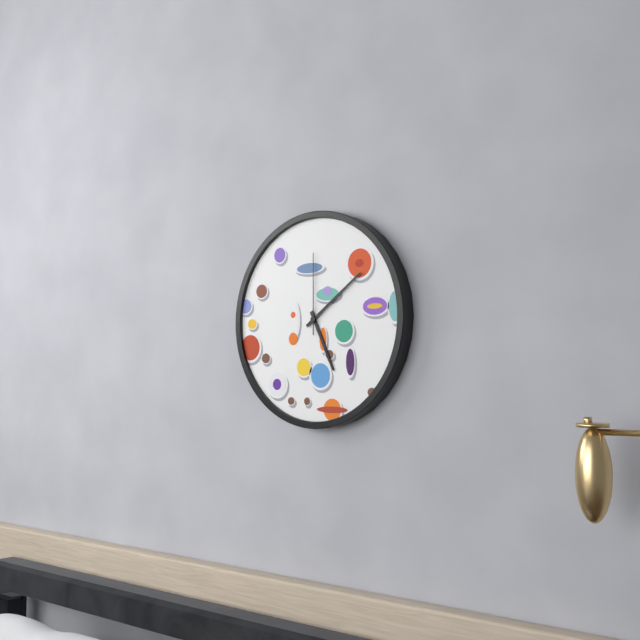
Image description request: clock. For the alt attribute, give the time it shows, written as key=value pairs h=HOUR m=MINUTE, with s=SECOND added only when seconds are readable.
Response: h=5 m=9 s=0
